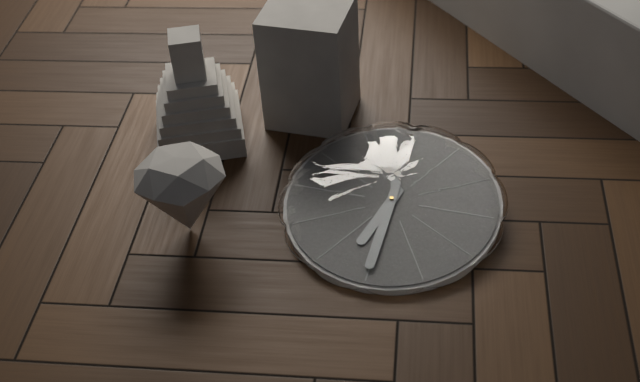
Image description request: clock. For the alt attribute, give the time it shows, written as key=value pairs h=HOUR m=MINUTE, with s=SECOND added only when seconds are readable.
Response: h=6 m=30
